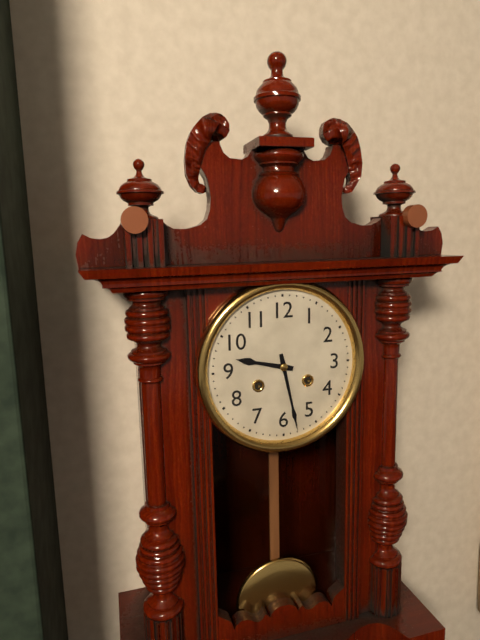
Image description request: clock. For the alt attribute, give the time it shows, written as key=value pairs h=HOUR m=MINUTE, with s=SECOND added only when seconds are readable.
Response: h=9 m=28
